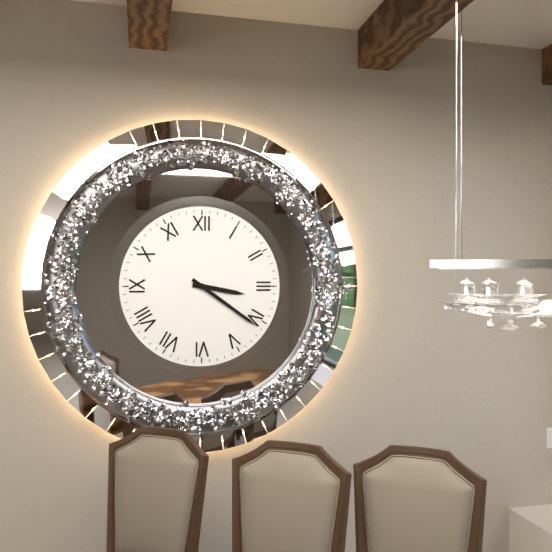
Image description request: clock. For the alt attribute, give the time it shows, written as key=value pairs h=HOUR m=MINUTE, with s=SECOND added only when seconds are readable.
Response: h=3 m=21
